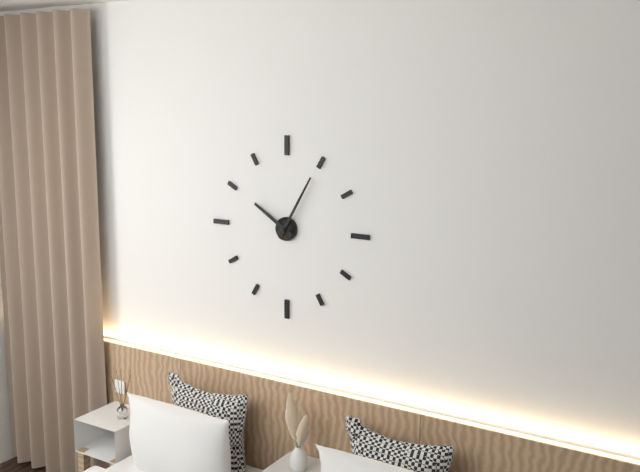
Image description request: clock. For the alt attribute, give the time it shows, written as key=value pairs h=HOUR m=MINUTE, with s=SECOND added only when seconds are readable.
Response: h=10 m=5
